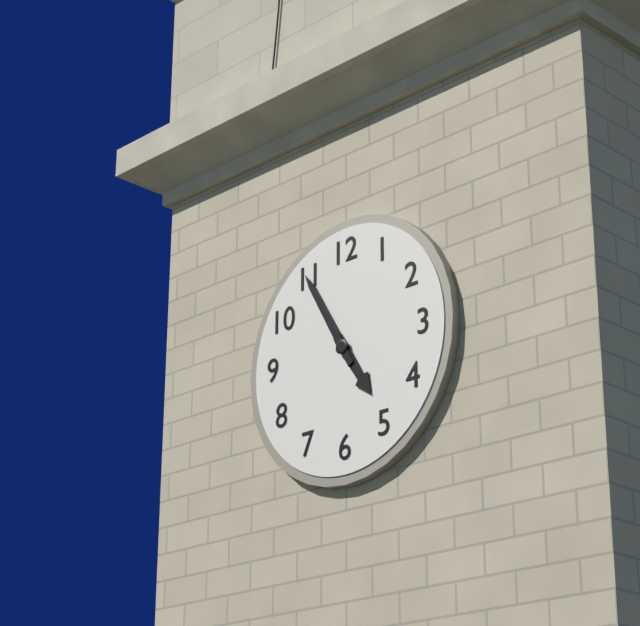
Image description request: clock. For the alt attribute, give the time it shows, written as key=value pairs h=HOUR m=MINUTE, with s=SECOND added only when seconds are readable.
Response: h=4 m=55
